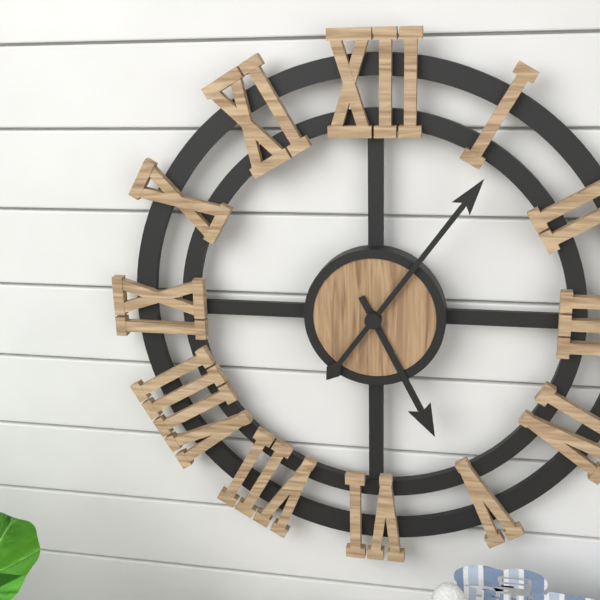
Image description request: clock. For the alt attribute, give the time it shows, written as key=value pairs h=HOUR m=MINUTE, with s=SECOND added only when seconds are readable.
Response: h=5 m=6
